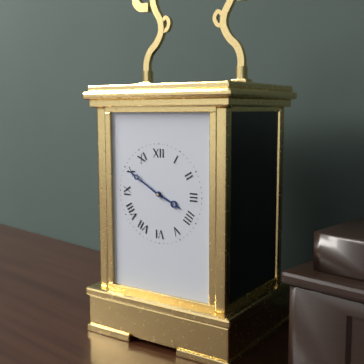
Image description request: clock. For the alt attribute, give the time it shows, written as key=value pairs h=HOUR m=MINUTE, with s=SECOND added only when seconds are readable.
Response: h=3 m=50
